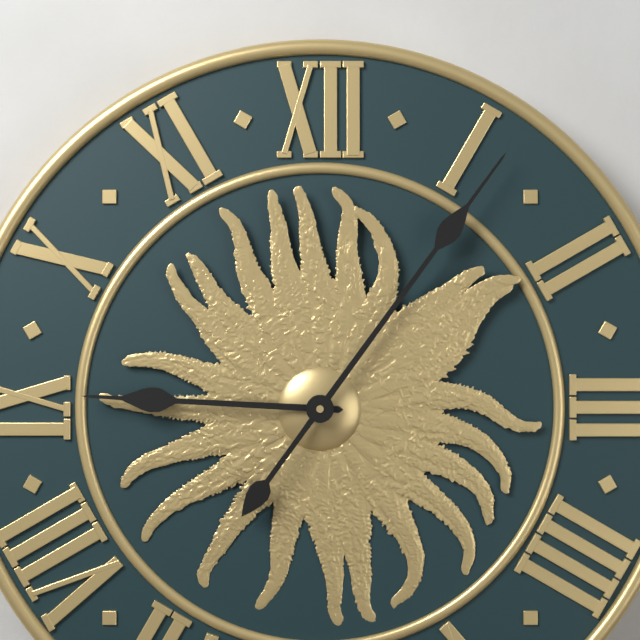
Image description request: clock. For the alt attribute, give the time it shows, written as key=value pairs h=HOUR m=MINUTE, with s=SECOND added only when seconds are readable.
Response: h=9 m=6
